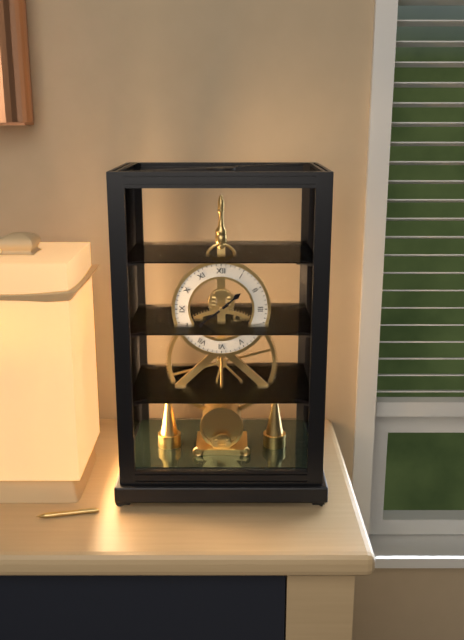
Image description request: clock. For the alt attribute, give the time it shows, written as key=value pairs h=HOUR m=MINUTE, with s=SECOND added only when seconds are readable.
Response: h=1 m=39
